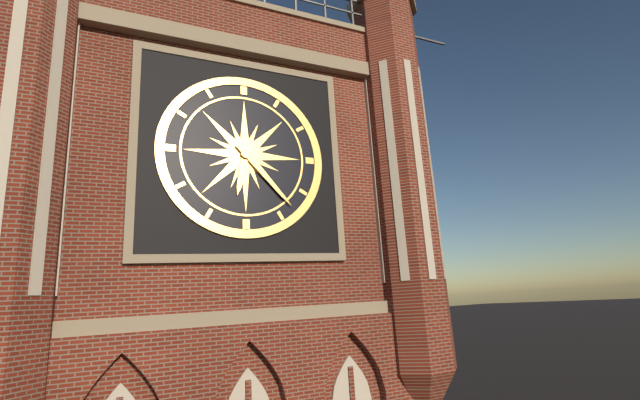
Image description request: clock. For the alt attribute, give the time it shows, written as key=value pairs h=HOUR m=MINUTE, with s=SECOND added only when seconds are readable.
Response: h=6 m=23
